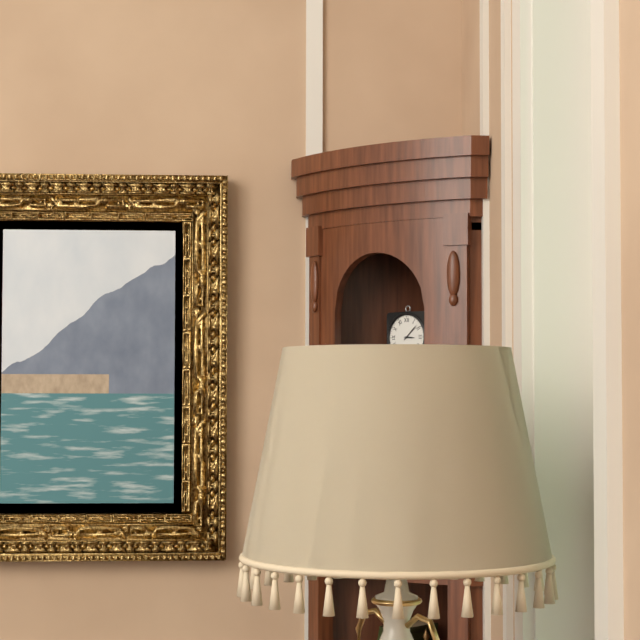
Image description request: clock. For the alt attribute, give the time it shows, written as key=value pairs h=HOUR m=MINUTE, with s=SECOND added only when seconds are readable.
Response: h=3 m=8
